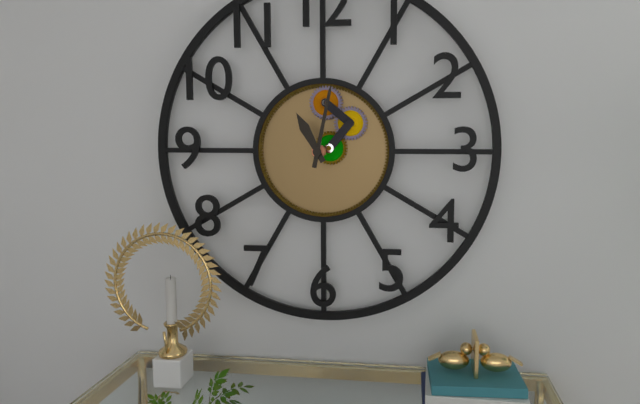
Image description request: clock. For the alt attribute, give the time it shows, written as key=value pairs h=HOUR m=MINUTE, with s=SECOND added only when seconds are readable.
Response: h=11 m=2
